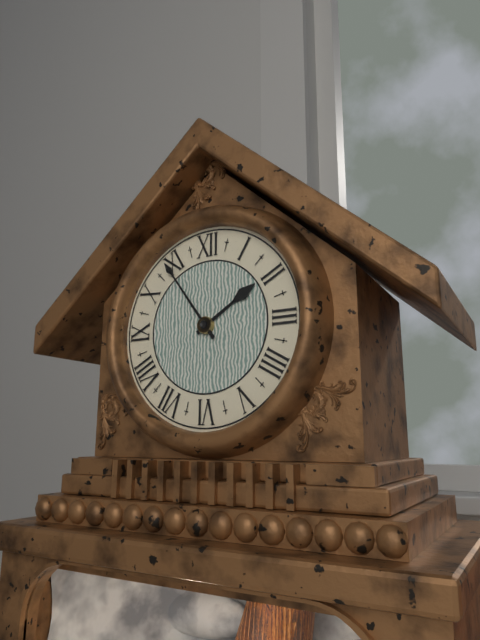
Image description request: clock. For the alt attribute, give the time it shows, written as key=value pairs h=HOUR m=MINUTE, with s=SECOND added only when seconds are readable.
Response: h=1 m=54
